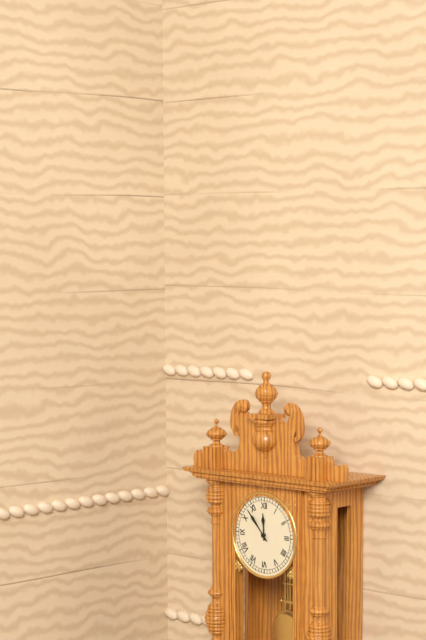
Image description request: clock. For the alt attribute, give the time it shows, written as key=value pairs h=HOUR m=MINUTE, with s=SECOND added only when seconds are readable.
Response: h=11 m=53
